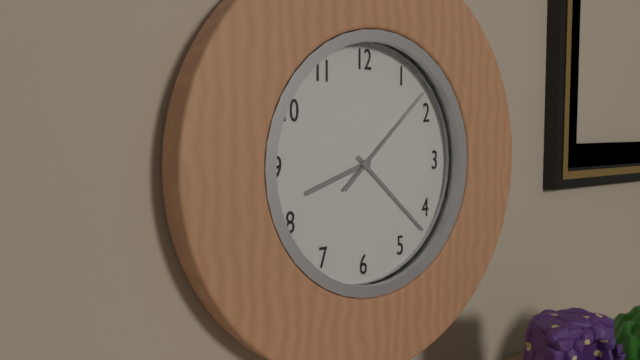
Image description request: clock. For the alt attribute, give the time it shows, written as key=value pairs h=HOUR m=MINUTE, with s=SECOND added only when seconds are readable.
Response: h=8 m=22 s=8
